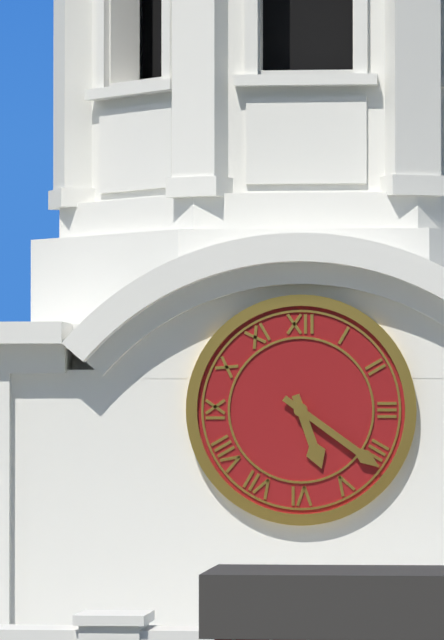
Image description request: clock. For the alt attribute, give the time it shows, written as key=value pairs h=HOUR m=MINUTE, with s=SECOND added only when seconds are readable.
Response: h=5 m=21
